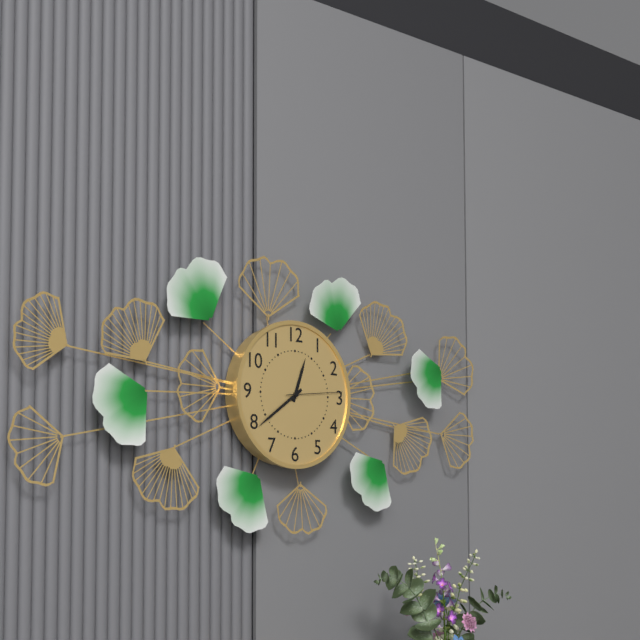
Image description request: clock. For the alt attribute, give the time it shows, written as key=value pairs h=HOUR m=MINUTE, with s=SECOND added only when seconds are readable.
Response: h=12 m=39 s=14
